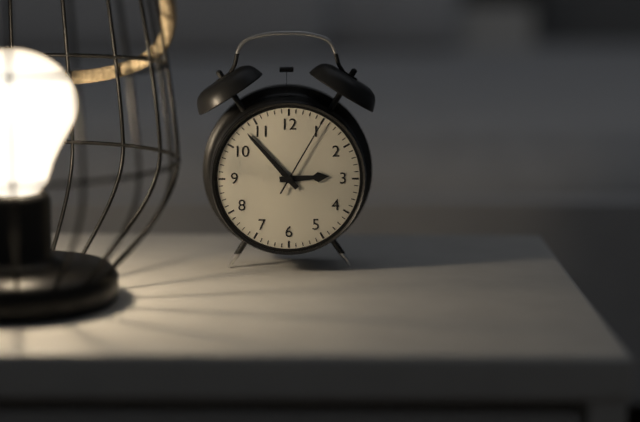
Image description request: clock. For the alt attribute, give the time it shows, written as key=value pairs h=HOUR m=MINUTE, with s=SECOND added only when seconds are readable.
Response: h=2 m=53 s=5
